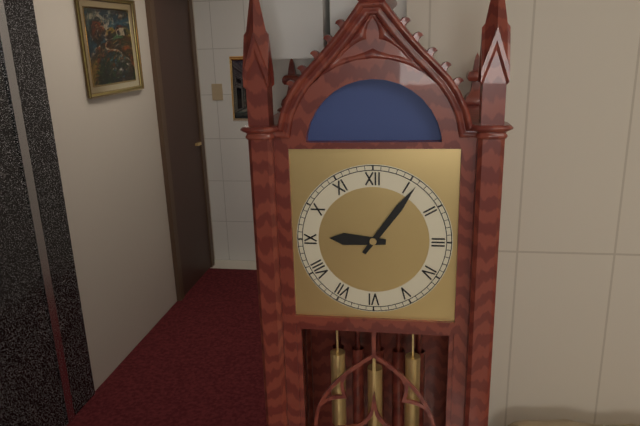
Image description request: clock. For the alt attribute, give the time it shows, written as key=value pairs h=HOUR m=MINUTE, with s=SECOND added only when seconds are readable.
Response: h=9 m=6
